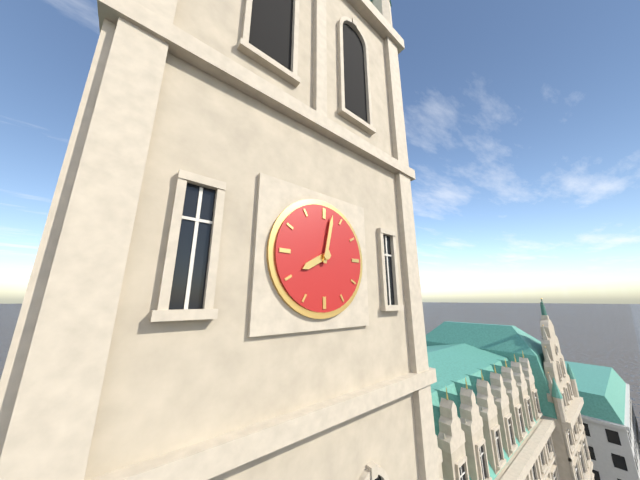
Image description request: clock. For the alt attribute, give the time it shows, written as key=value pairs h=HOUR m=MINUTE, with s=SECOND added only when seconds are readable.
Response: h=8 m=2
